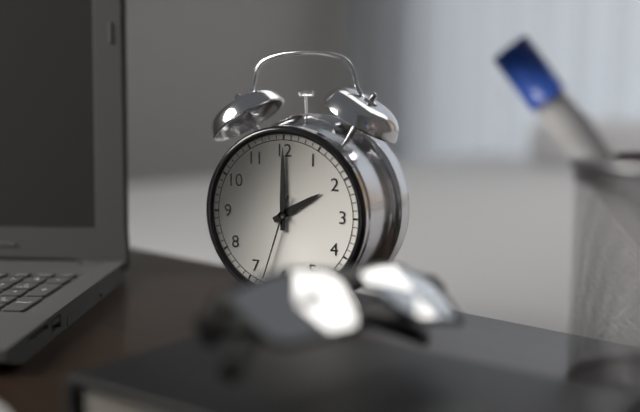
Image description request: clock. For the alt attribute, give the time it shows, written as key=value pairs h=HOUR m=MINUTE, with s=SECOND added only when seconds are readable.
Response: h=2 m=0 s=33
